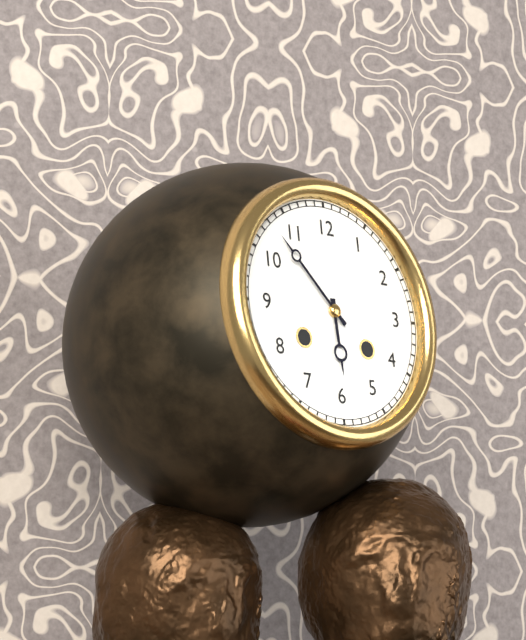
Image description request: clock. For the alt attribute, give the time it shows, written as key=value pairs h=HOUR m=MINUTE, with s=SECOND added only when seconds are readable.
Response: h=5 m=53
